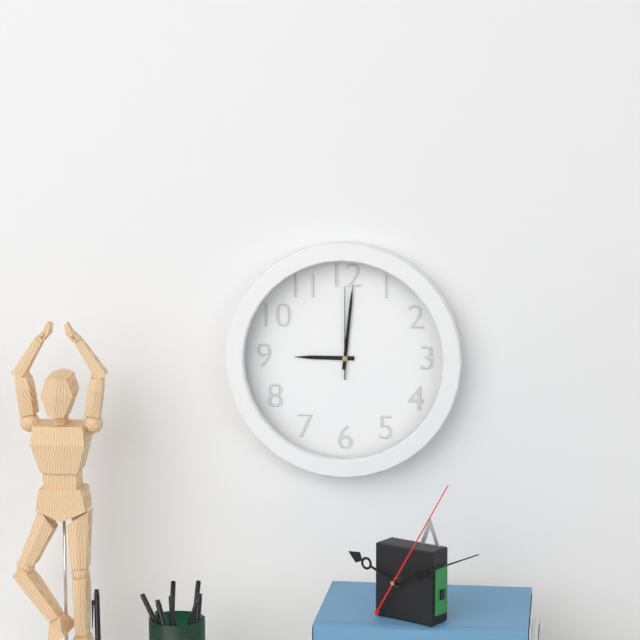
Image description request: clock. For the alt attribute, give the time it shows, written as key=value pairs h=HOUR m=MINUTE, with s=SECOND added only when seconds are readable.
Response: h=9 m=1 s=0
